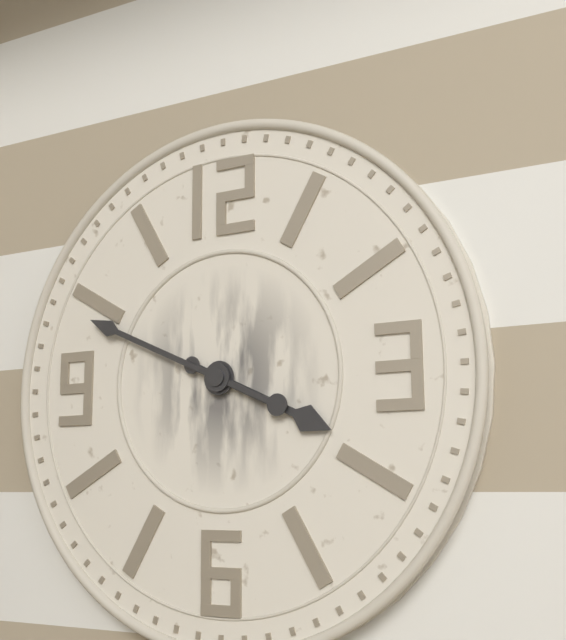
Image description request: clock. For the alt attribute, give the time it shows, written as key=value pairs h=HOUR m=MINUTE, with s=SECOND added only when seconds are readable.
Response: h=3 m=49
